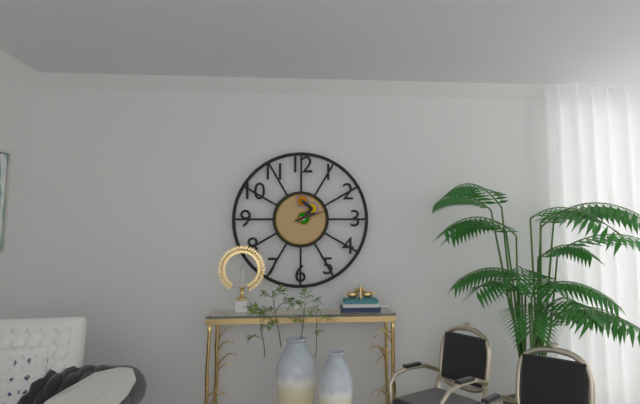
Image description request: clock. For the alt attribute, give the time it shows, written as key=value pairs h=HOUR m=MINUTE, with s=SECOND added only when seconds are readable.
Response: h=2 m=12
